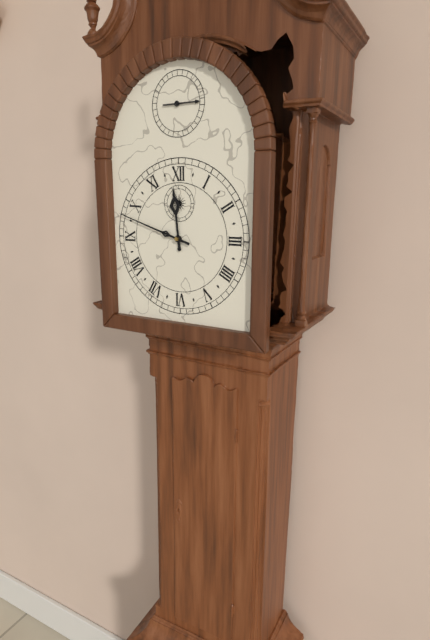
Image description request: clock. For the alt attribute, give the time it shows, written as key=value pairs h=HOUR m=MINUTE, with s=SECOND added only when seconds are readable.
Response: h=11 m=48
